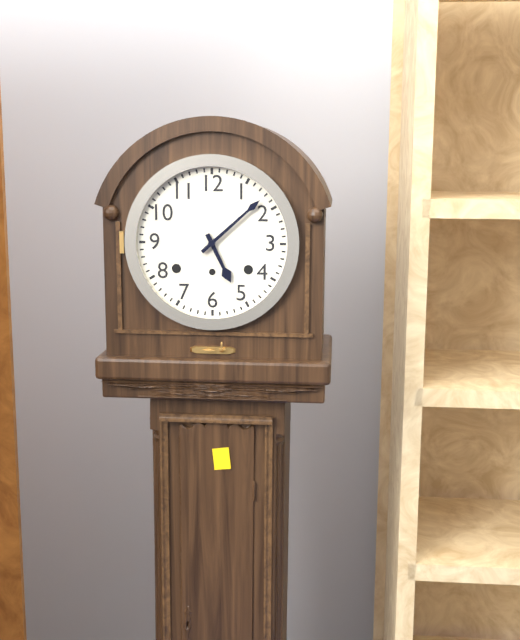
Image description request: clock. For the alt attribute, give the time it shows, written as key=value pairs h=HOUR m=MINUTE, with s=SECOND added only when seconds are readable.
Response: h=5 m=8
